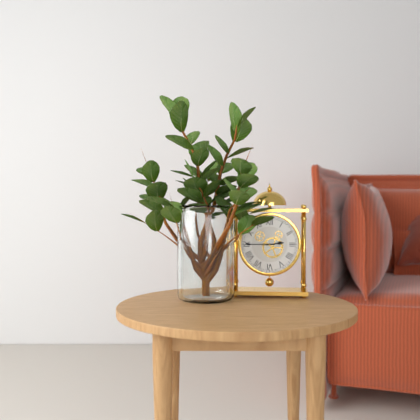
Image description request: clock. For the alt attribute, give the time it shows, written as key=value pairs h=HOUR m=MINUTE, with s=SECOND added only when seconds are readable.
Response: h=2 m=45
